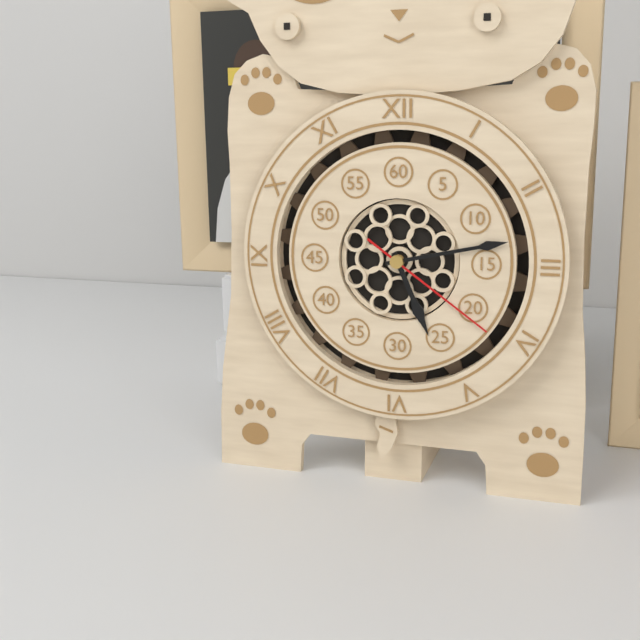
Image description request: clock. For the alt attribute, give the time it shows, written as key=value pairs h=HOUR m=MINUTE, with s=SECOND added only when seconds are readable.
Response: h=5 m=13 s=21
